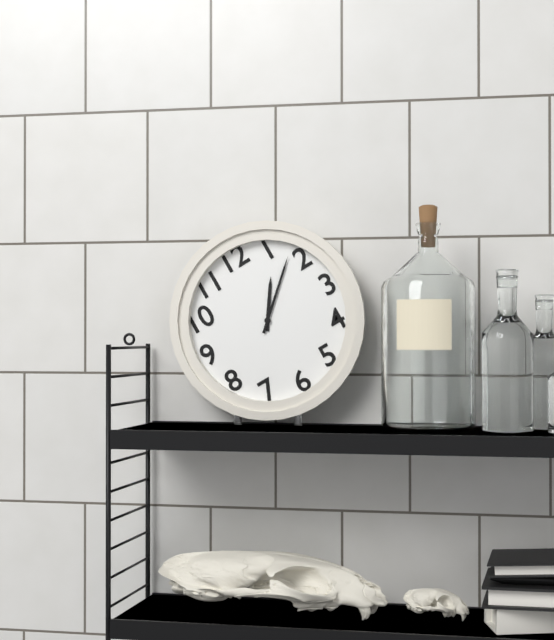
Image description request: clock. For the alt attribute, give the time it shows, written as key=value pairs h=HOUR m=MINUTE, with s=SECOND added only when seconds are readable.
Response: h=1 m=8
